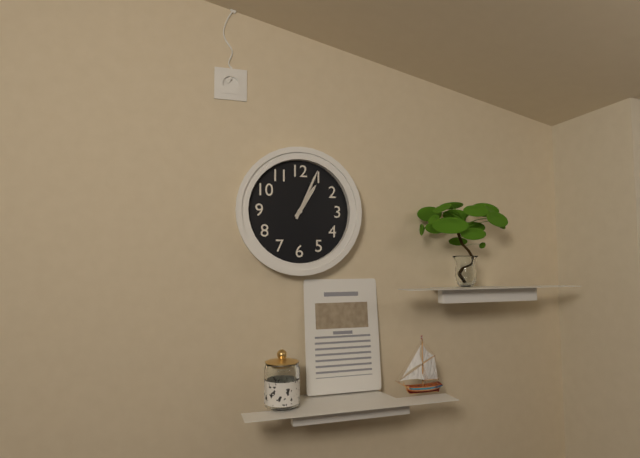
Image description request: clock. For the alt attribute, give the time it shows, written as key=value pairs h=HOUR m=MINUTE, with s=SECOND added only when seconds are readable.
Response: h=1 m=4
